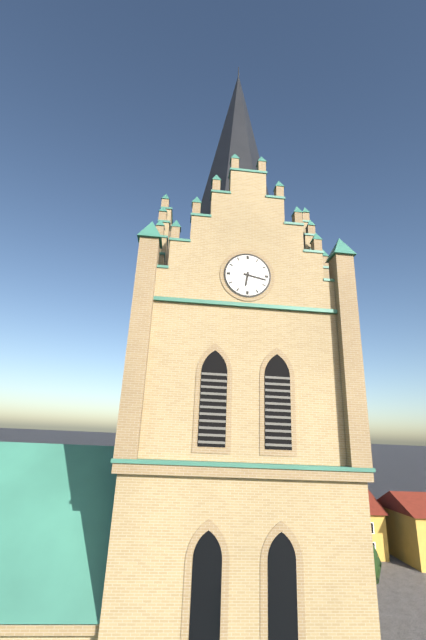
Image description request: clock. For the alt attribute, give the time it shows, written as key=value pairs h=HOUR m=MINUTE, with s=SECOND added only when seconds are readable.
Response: h=6 m=17
